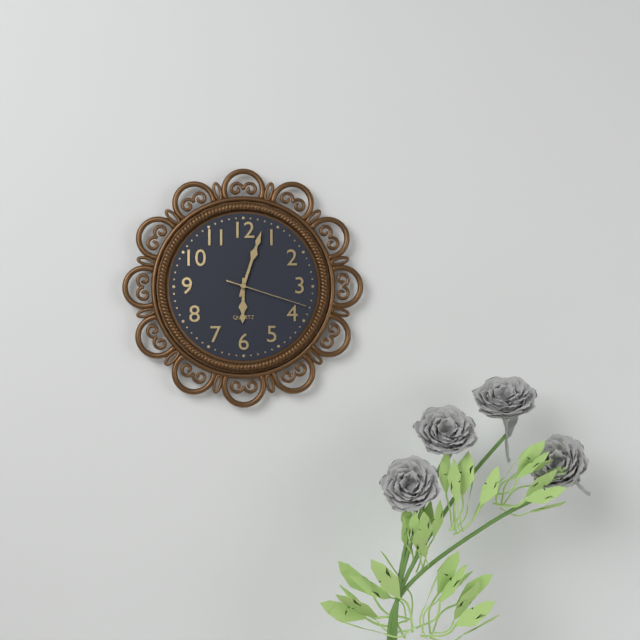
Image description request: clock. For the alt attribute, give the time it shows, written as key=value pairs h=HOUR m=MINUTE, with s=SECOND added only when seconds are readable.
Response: h=6 m=3 s=18
